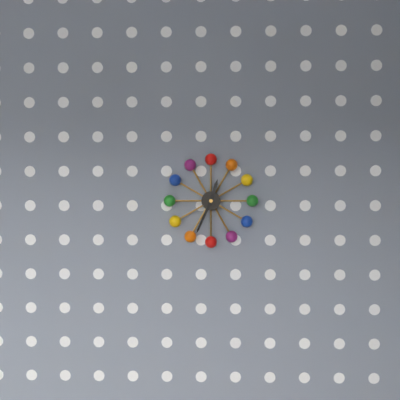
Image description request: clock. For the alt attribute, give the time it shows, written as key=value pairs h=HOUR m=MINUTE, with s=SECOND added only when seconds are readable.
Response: h=12 m=34
